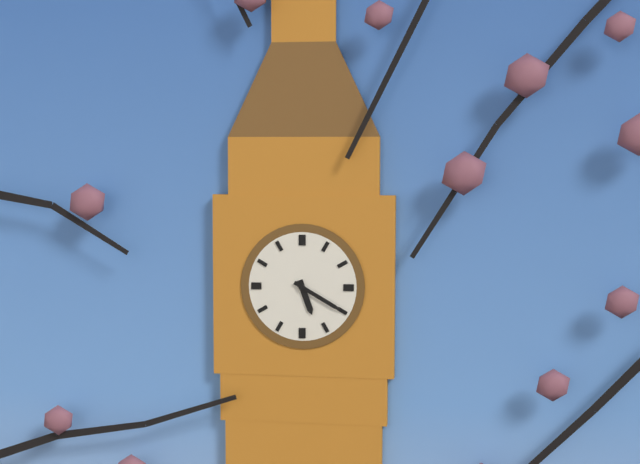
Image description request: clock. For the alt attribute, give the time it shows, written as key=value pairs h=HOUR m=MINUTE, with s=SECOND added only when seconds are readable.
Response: h=5 m=20
